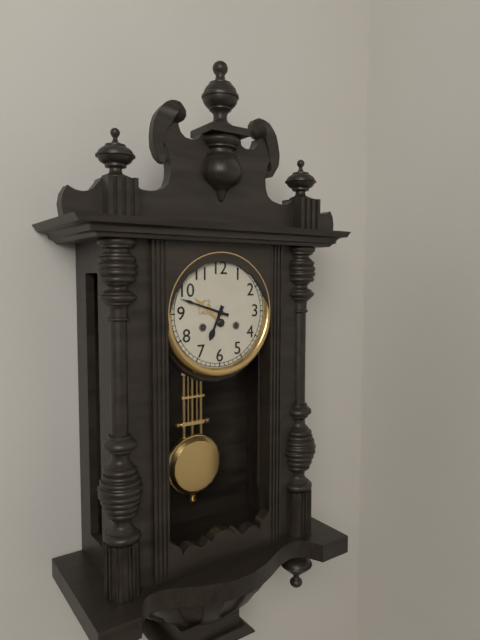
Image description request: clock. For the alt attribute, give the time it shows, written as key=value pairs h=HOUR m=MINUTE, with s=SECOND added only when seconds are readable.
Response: h=6 m=48
